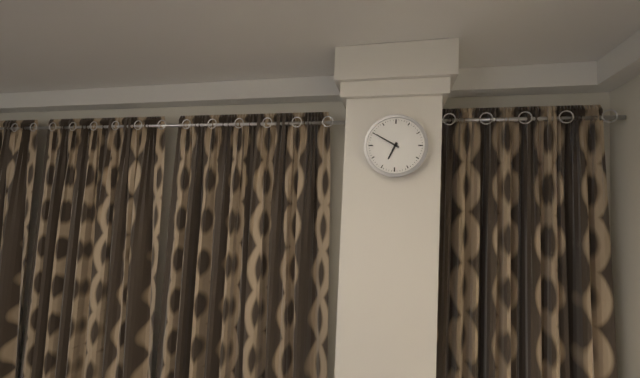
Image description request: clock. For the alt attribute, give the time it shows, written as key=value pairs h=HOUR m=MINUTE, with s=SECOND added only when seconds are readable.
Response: h=6 m=50
